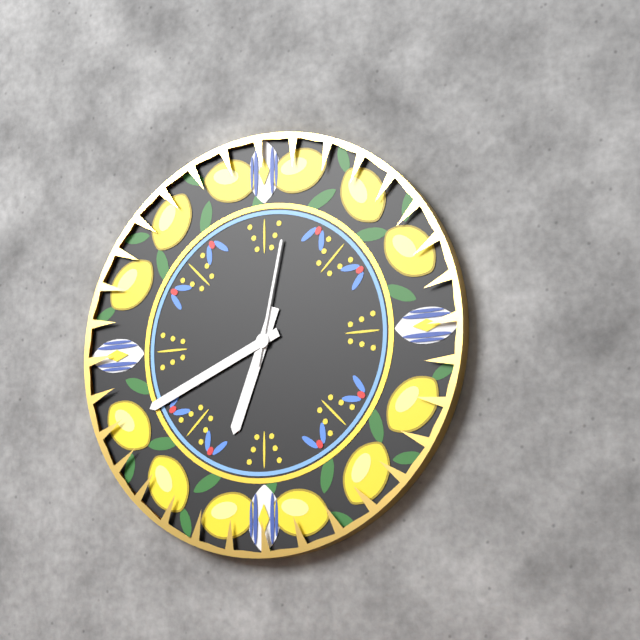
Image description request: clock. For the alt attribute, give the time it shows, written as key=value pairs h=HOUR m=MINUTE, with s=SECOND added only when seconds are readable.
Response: h=6 m=41 s=2
